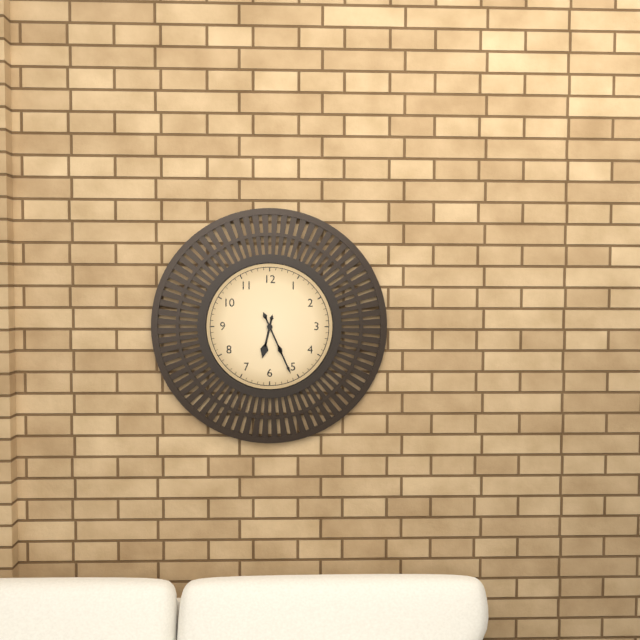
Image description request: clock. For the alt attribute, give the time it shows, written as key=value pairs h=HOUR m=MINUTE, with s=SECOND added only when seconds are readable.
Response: h=6 m=26
